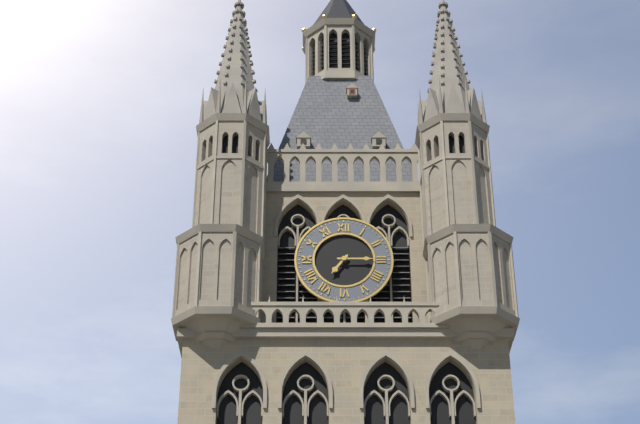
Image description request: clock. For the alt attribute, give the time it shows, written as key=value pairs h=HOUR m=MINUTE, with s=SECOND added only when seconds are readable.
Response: h=7 m=15
